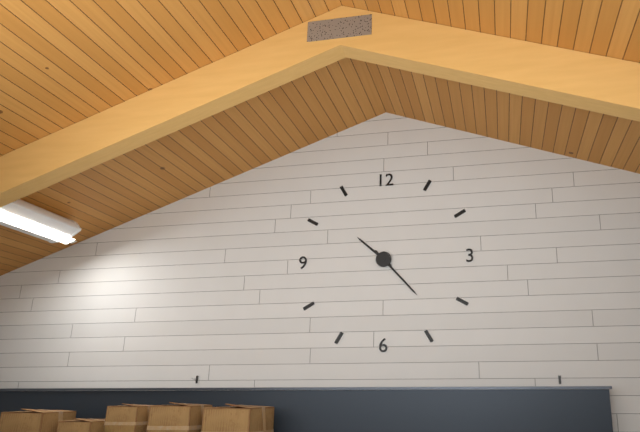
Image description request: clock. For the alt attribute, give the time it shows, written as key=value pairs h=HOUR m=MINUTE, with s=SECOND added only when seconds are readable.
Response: h=10 m=23
